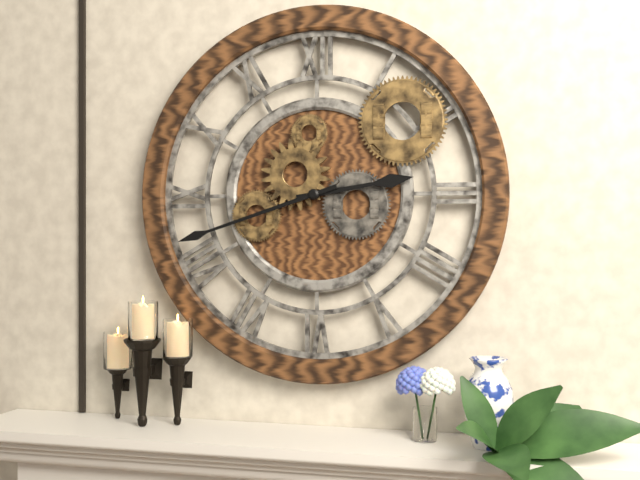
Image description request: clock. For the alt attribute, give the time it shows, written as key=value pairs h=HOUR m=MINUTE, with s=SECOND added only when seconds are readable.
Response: h=2 m=42
